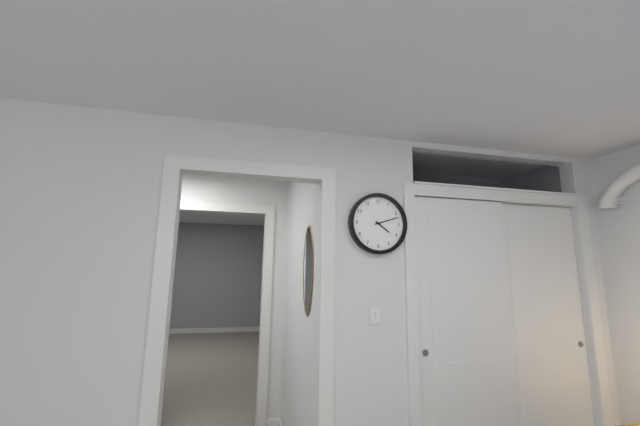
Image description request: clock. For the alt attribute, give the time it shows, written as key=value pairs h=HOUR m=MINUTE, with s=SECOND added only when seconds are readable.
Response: h=4 m=12
